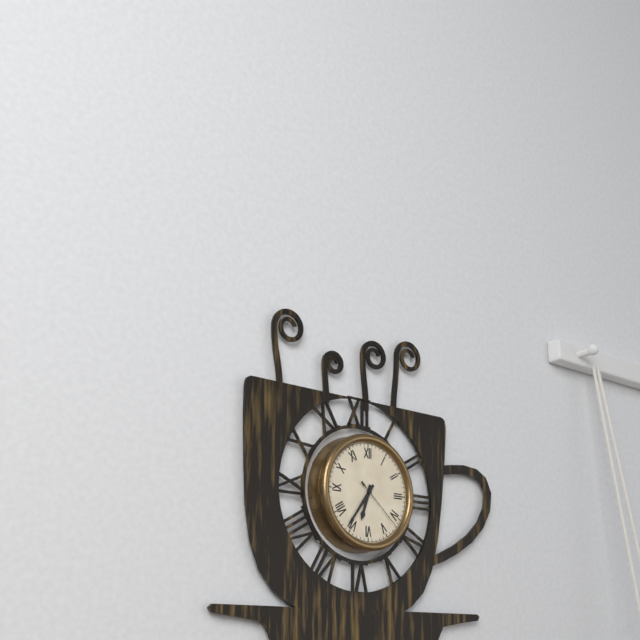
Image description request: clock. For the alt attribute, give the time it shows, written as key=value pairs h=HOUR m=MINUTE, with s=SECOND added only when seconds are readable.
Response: h=6 m=36 s=22
